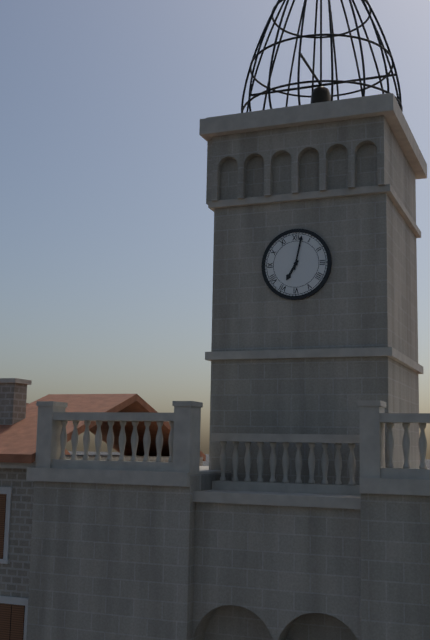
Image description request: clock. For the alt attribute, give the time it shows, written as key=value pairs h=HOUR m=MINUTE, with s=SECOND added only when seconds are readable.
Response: h=7 m=2
